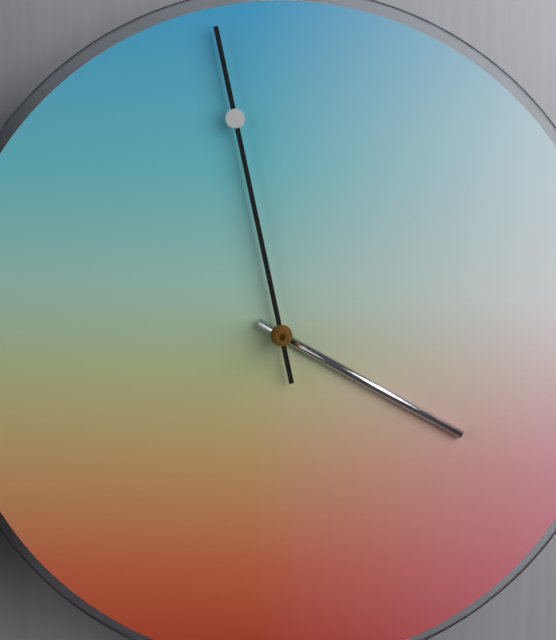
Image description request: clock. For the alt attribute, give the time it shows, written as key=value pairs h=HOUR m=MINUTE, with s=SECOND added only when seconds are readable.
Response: h=3 m=58
